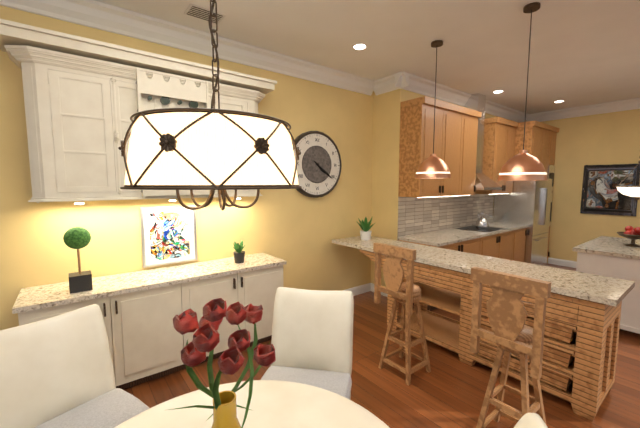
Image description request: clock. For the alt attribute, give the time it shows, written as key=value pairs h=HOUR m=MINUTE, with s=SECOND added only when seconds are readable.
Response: h=4 m=21
